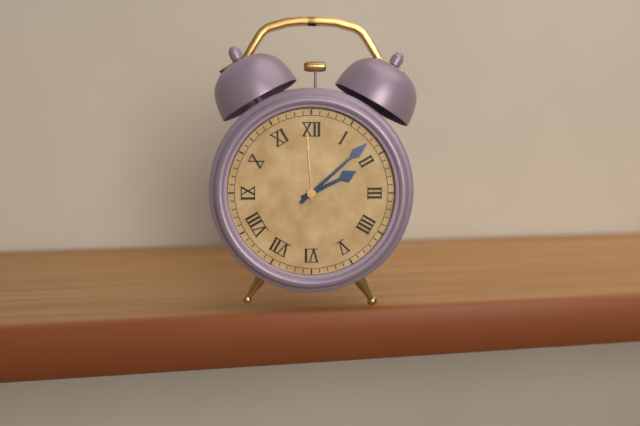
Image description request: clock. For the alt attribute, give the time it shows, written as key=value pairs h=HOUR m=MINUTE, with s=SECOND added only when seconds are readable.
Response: h=2 m=8
